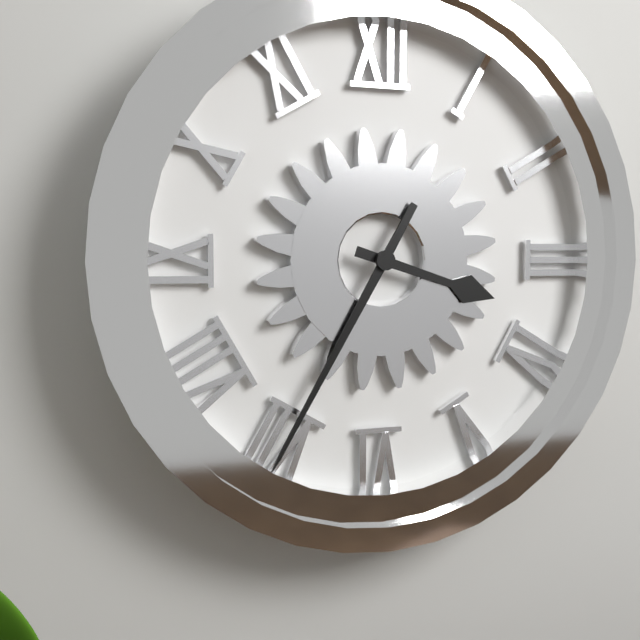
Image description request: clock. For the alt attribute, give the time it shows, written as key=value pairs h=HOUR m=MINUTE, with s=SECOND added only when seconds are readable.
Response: h=3 m=35
